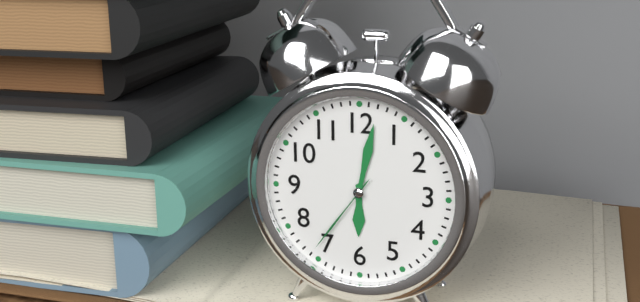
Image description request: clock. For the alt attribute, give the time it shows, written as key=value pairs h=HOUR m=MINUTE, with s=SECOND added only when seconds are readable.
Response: h=6 m=2 s=36
